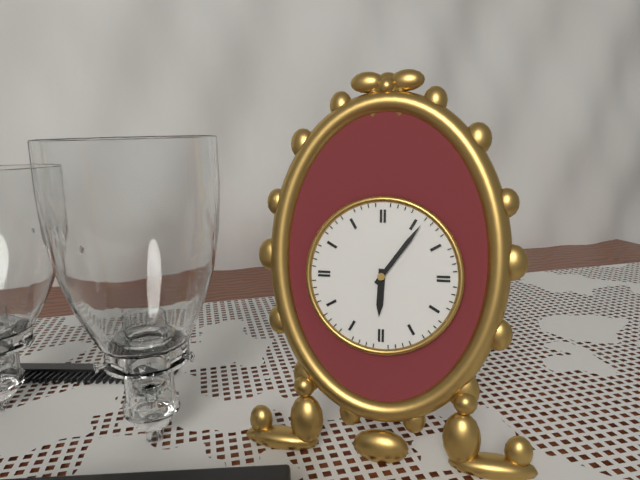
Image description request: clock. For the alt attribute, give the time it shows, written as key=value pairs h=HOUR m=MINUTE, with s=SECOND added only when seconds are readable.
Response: h=6 m=6
